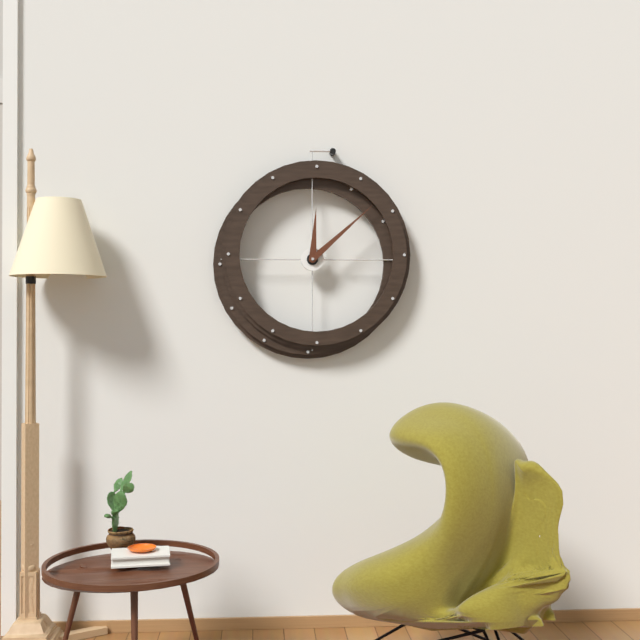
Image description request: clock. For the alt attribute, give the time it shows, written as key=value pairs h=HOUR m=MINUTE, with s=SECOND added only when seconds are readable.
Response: h=12 m=8
